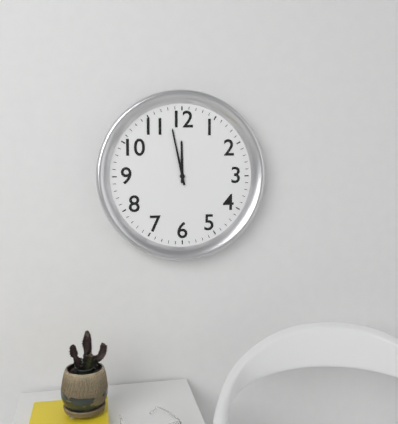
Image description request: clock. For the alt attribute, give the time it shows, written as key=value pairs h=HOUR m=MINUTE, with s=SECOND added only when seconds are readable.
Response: h=11 m=58
